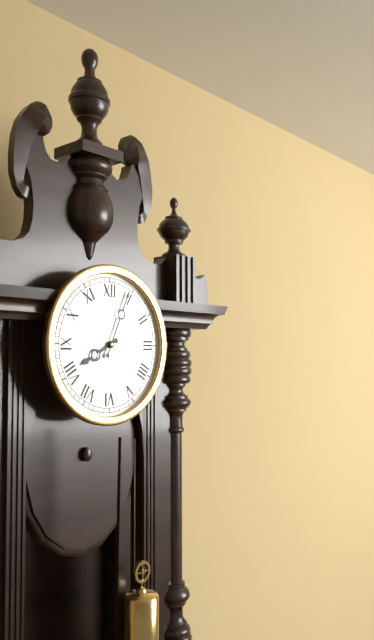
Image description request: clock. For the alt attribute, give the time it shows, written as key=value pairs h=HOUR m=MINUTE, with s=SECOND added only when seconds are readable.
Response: h=8 m=4
